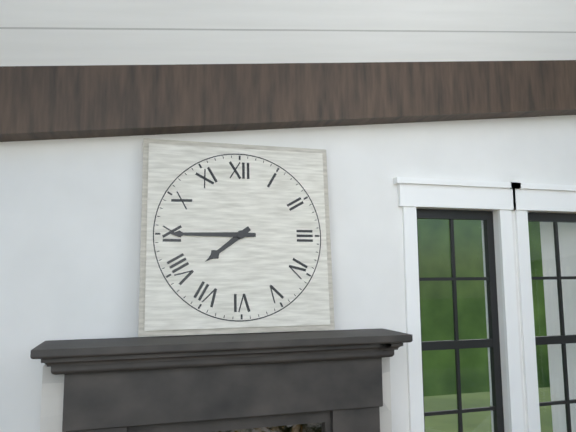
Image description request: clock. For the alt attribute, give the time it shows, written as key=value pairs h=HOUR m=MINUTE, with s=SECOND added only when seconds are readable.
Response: h=7 m=45
